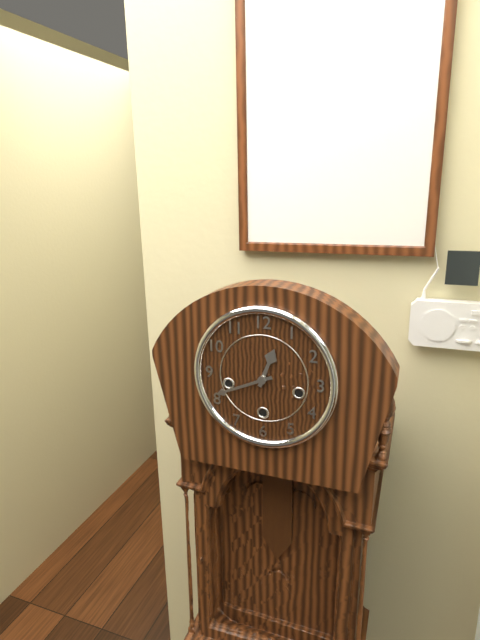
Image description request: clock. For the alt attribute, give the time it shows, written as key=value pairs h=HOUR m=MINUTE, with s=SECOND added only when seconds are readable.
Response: h=12 m=41
